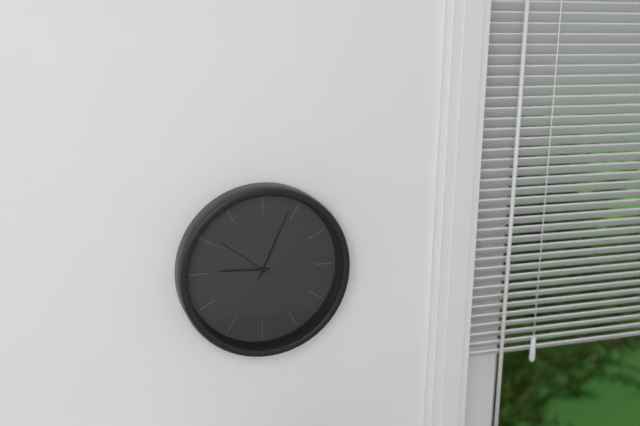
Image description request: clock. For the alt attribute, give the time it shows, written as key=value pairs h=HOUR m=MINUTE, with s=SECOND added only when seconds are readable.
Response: h=9 m=4 s=51
